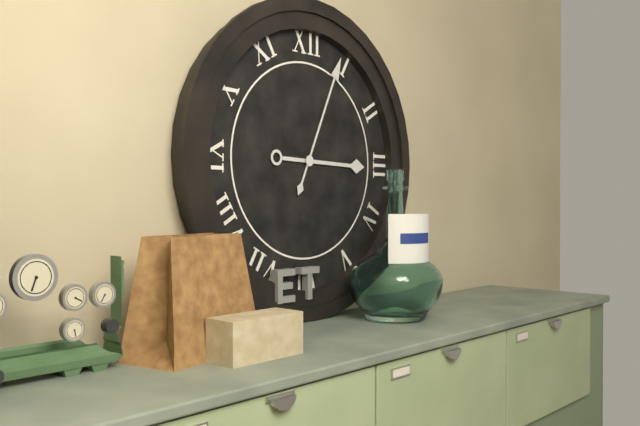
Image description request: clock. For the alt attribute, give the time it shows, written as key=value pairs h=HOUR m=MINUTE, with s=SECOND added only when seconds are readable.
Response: h=3 m=4
